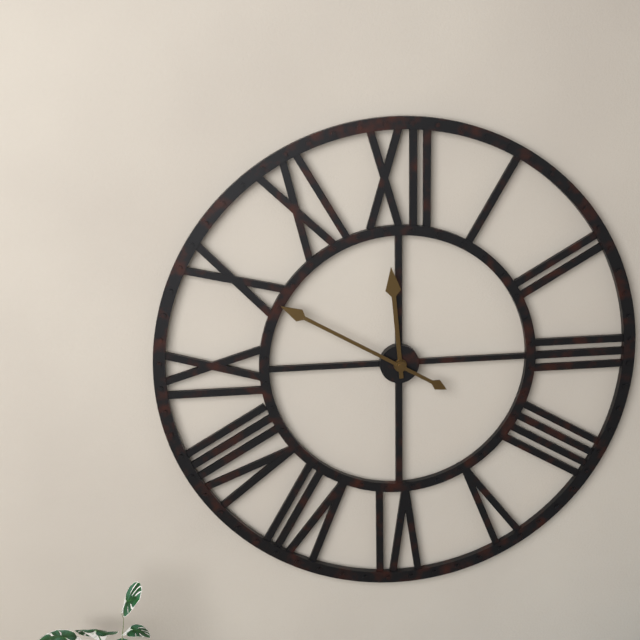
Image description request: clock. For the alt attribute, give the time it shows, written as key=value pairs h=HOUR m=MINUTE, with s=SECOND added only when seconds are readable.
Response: h=11 m=50
